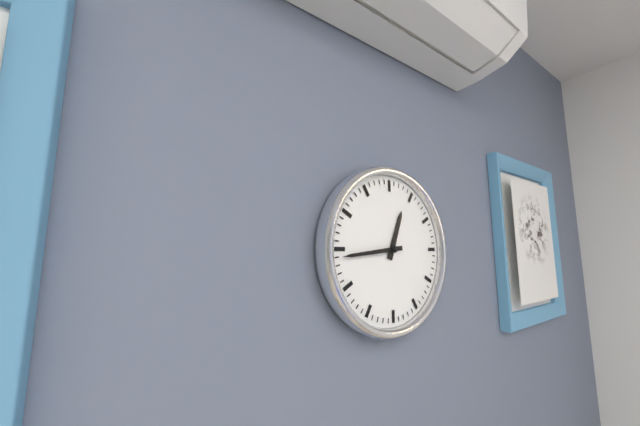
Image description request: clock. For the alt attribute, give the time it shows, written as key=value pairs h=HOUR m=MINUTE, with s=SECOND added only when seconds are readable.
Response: h=12 m=44
